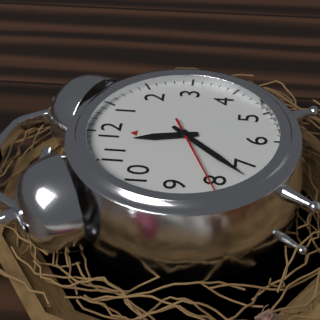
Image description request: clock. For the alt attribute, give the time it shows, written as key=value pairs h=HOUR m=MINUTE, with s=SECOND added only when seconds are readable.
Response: h=11 m=37 s=41
